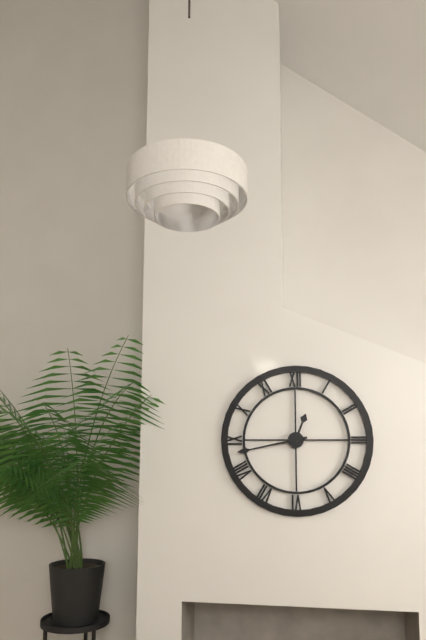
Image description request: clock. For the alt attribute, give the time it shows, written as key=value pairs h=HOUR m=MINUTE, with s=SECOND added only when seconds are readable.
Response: h=12 m=43
